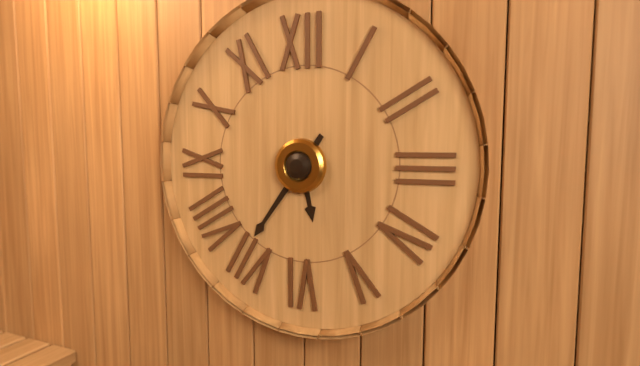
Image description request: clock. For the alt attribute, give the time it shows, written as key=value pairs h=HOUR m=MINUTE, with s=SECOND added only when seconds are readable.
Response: h=5 m=36
